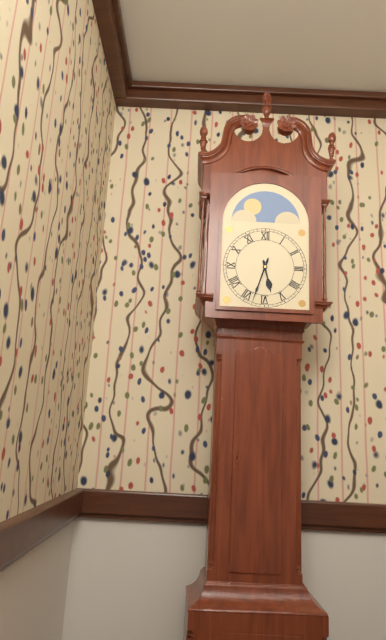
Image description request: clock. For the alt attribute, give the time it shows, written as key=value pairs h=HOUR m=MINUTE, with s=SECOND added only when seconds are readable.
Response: h=5 m=33
